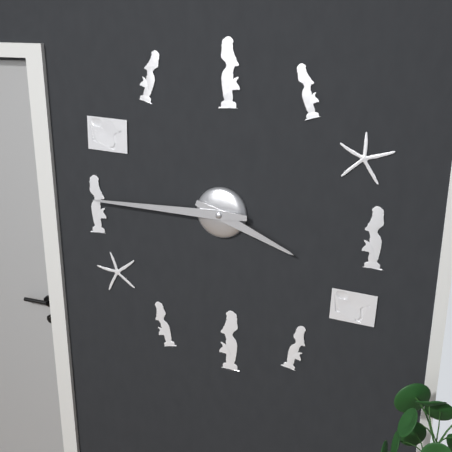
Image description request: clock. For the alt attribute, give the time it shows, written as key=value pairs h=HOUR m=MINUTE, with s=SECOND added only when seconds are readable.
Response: h=3 m=45
